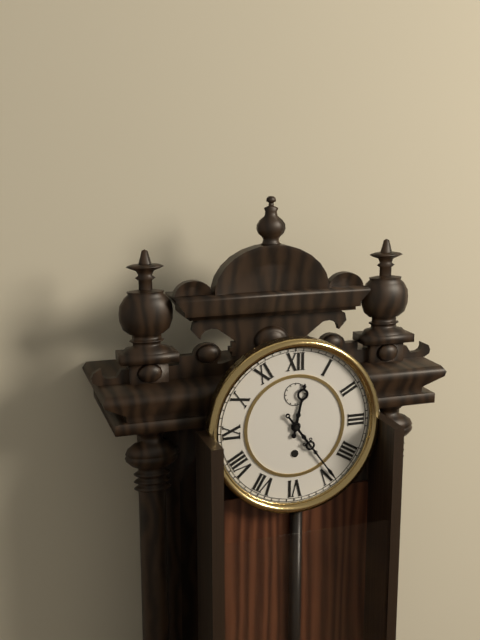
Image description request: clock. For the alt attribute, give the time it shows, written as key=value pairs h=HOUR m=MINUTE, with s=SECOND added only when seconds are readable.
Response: h=12 m=24
